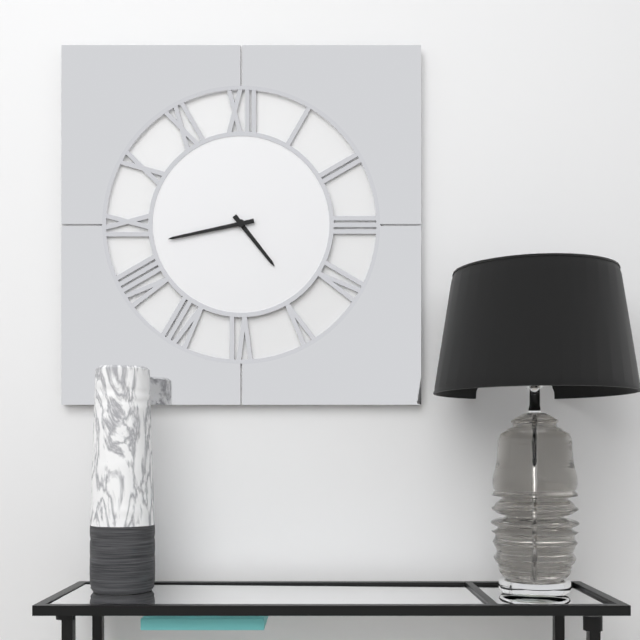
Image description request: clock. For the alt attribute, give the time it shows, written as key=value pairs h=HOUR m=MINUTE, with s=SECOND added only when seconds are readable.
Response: h=4 m=43
